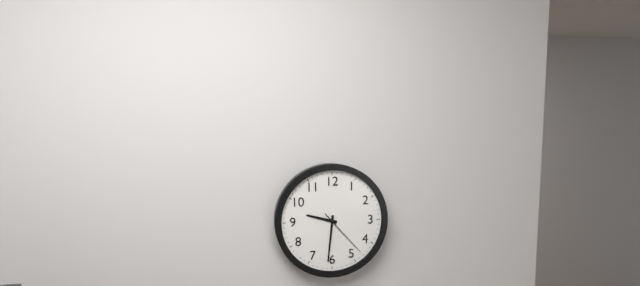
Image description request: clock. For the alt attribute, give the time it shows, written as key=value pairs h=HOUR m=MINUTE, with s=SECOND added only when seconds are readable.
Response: h=9 m=31 s=23
